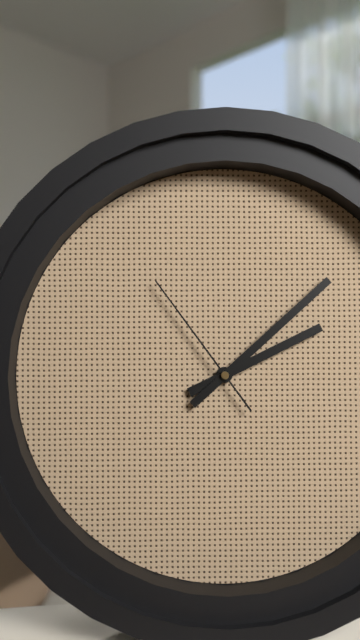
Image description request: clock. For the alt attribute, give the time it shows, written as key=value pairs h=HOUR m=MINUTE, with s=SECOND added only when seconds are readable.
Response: h=2 m=8 s=54
